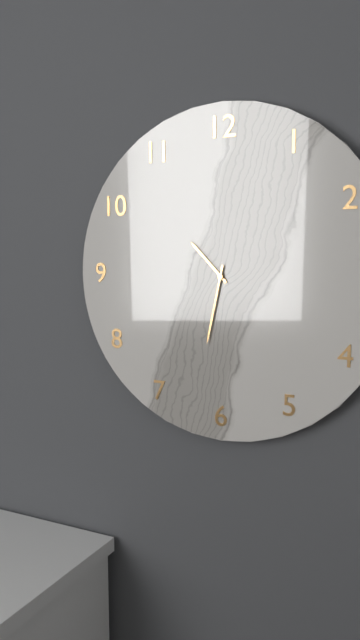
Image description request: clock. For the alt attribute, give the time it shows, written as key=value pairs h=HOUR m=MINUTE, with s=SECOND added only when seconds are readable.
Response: h=10 m=32
